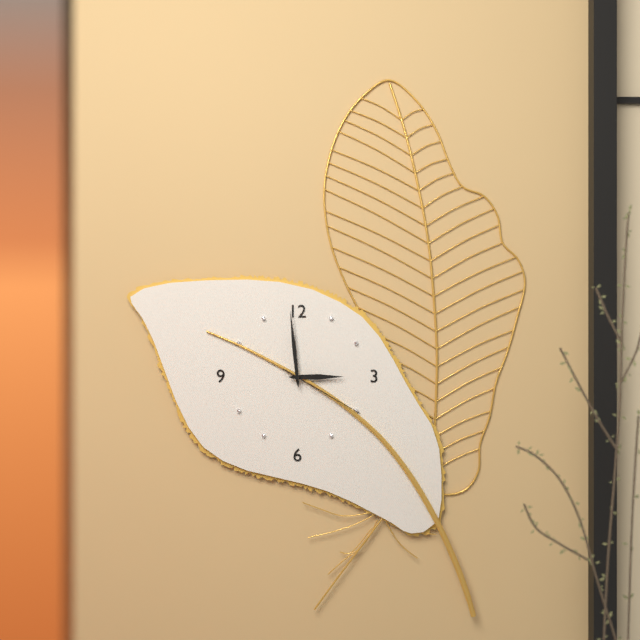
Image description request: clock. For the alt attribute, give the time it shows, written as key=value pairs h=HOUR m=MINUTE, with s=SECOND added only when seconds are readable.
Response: h=2 m=59 s=20
